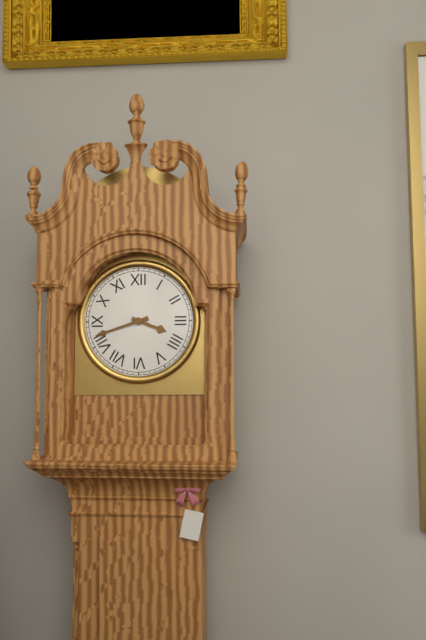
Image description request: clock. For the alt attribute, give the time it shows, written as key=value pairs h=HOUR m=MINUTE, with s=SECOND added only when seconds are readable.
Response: h=3 m=42
